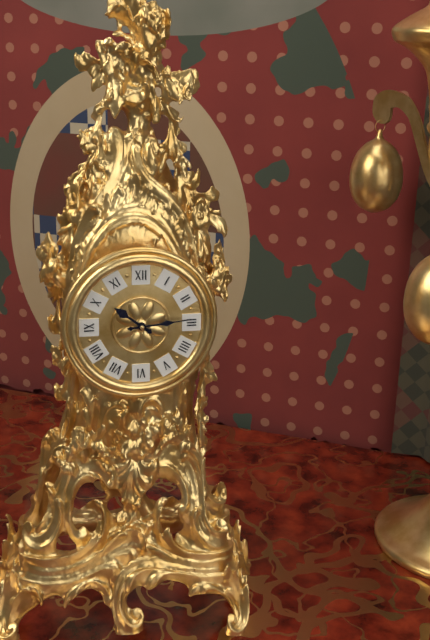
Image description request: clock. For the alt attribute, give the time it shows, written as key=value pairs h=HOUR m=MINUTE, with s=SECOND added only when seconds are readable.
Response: h=10 m=14
